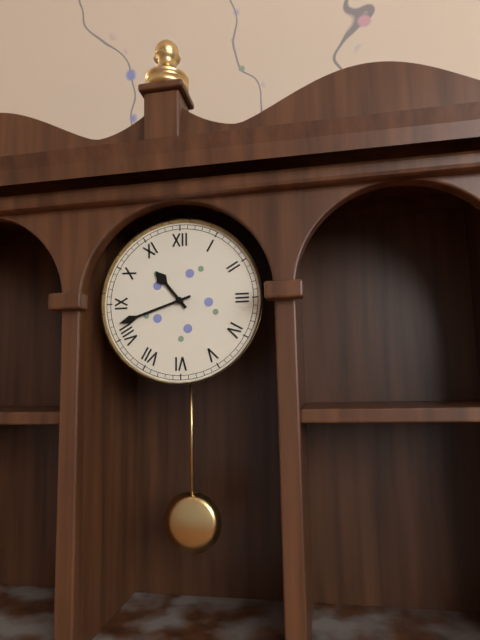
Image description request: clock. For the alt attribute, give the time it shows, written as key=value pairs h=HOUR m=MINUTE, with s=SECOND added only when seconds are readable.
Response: h=10 m=42
